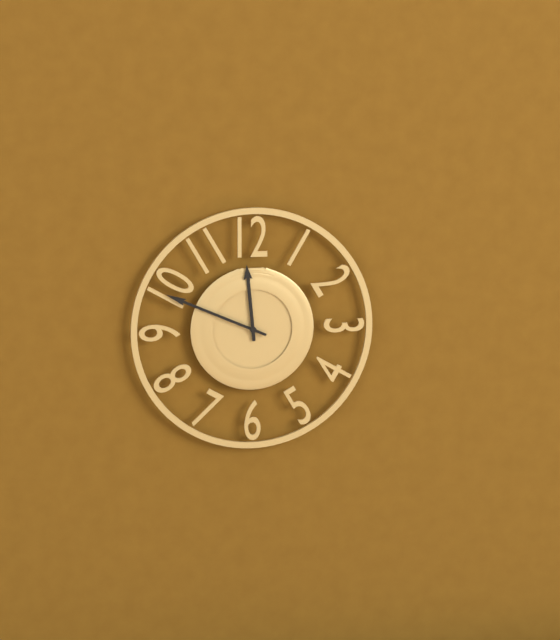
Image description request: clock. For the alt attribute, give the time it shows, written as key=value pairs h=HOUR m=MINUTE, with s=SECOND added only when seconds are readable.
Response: h=11 m=49
